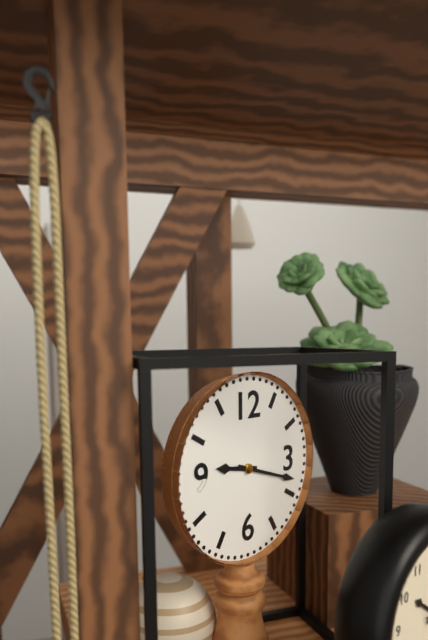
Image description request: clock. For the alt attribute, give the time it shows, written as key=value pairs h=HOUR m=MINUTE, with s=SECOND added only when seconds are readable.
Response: h=9 m=18
